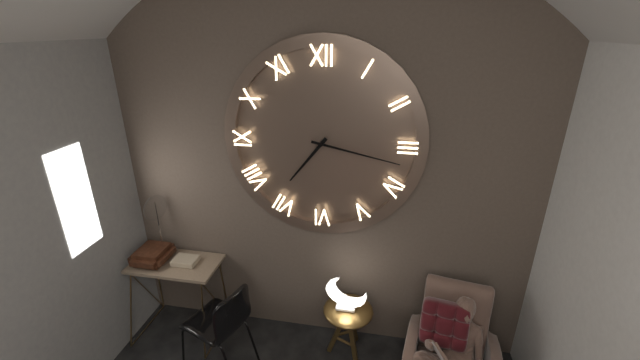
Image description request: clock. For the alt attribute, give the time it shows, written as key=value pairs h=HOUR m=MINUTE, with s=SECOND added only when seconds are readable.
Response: h=7 m=17
